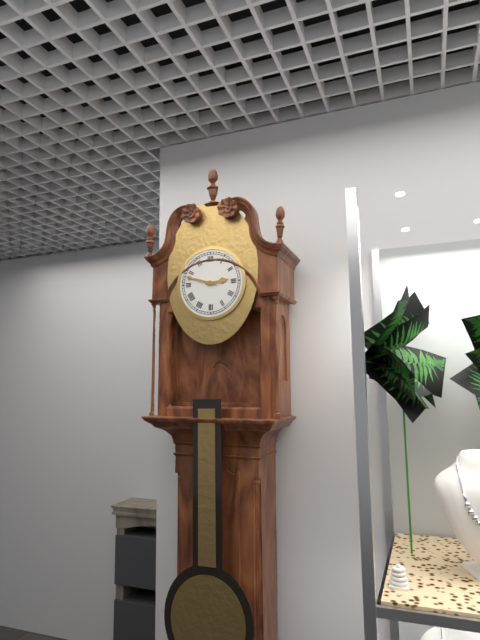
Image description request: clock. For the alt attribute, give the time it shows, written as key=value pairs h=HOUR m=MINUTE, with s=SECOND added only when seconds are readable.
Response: h=2 m=48
